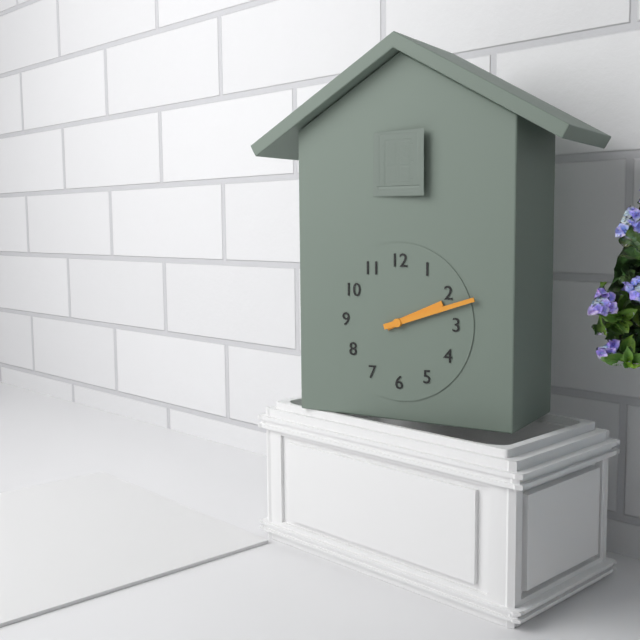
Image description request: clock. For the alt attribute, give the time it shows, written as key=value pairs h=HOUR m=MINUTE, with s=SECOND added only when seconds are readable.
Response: h=2 m=12
